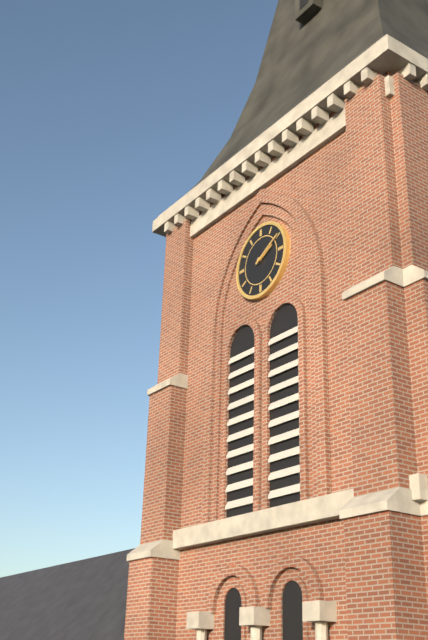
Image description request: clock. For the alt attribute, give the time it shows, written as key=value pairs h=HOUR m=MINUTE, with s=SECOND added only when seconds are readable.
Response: h=2 m=10
